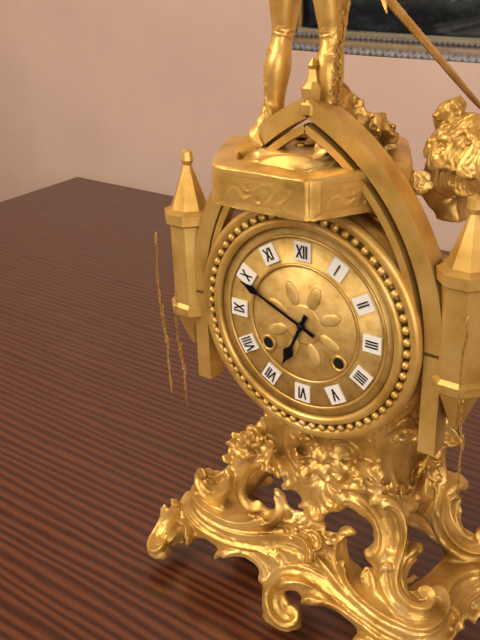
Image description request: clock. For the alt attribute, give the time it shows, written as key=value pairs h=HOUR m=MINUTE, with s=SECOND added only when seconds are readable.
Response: h=6 m=49
